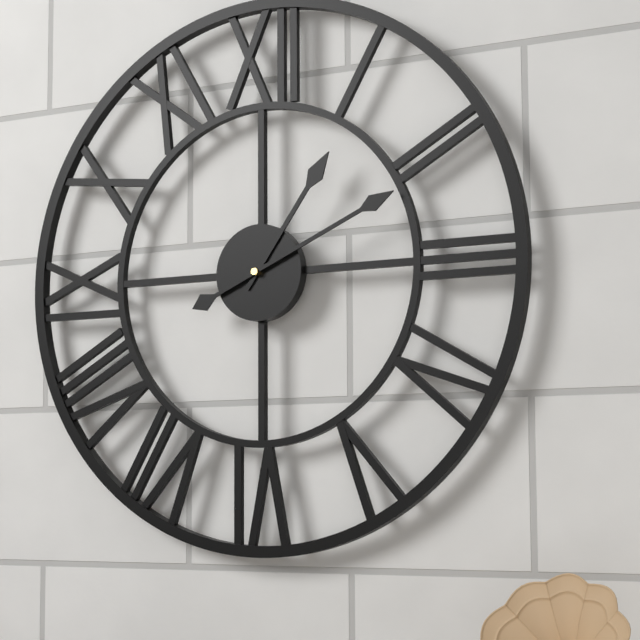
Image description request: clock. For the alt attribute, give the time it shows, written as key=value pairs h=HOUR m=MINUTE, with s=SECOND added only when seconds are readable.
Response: h=1 m=11
